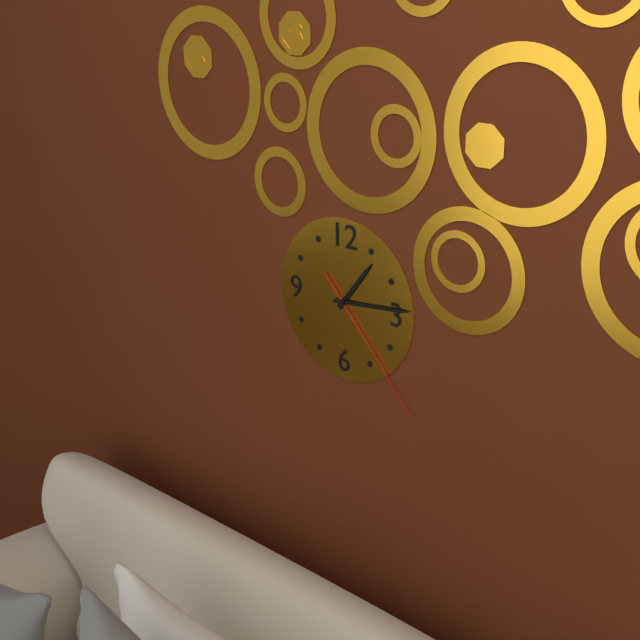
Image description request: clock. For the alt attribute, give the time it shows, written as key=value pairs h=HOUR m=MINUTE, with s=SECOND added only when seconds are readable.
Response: h=1 m=14 s=23
